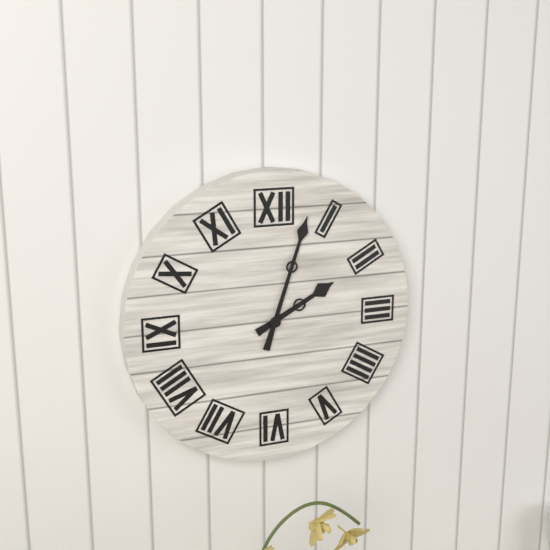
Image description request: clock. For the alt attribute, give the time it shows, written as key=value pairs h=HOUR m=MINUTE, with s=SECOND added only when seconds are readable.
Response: h=2 m=3
